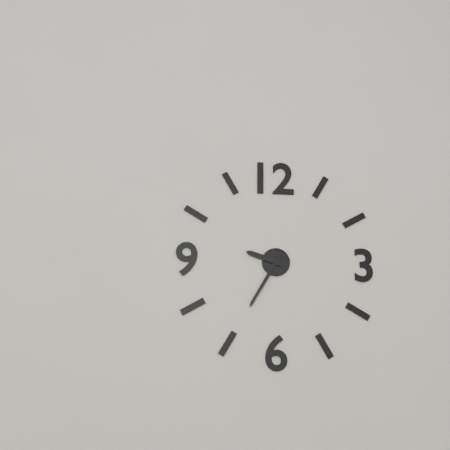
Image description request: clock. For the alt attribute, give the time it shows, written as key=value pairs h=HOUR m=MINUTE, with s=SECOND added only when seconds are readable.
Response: h=9 m=35
